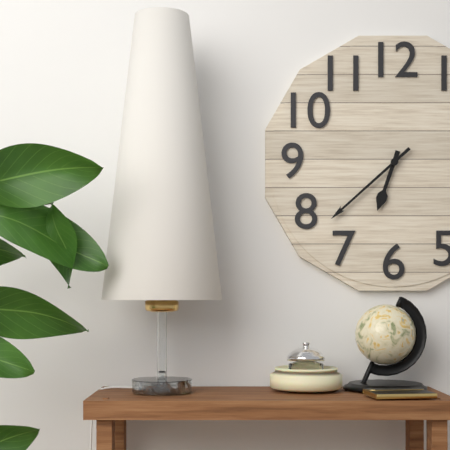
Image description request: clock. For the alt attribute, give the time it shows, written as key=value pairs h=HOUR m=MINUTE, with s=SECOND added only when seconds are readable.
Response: h=6 m=38
